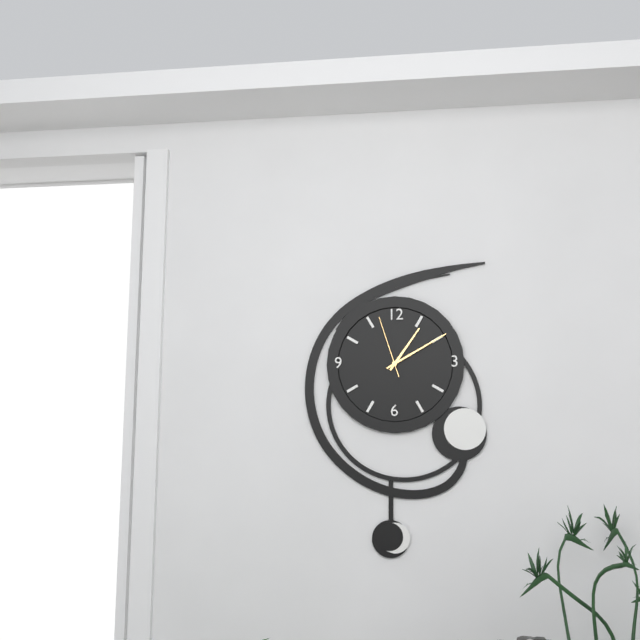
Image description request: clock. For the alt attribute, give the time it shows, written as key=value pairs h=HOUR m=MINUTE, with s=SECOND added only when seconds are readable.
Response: h=1 m=10 s=57
